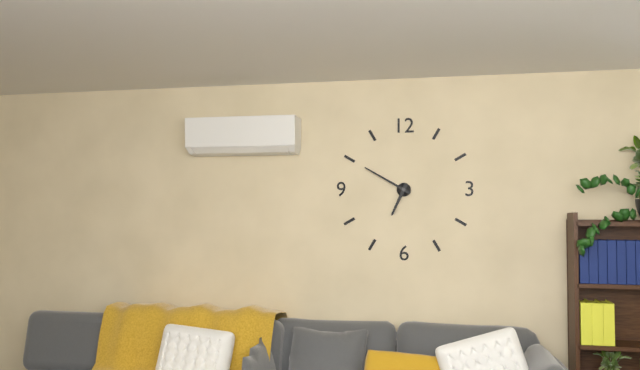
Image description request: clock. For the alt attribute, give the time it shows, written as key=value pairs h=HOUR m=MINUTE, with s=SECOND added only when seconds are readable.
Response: h=6 m=50
